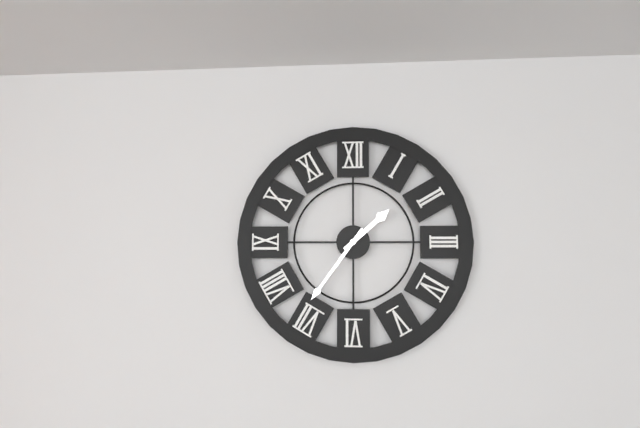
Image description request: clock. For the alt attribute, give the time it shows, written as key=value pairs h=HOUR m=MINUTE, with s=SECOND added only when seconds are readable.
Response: h=1 m=36
